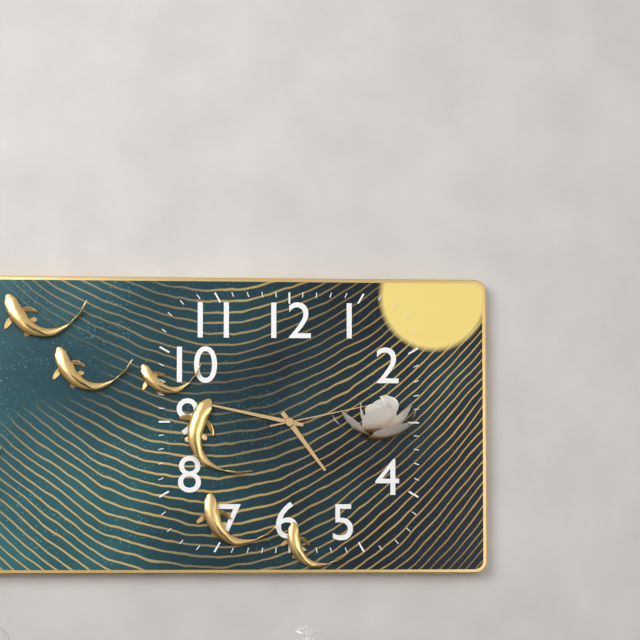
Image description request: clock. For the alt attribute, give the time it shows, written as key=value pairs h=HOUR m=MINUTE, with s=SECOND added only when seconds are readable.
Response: h=4 m=47
